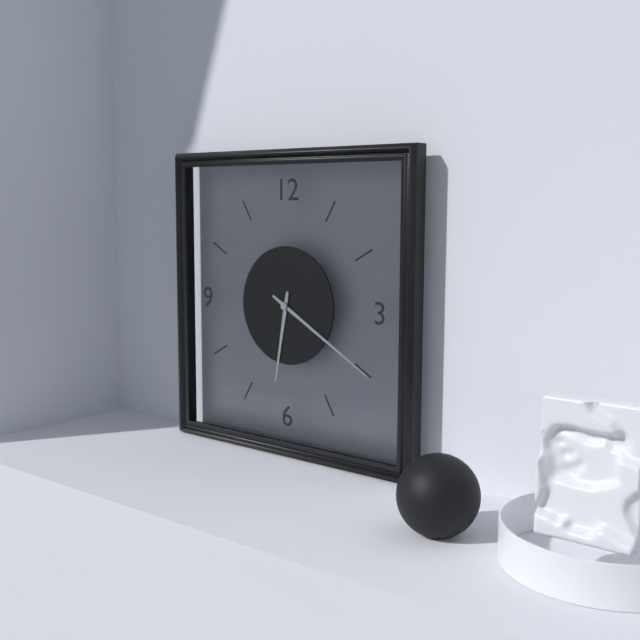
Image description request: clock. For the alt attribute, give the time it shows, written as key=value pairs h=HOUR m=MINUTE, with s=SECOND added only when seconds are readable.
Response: h=6 m=20
